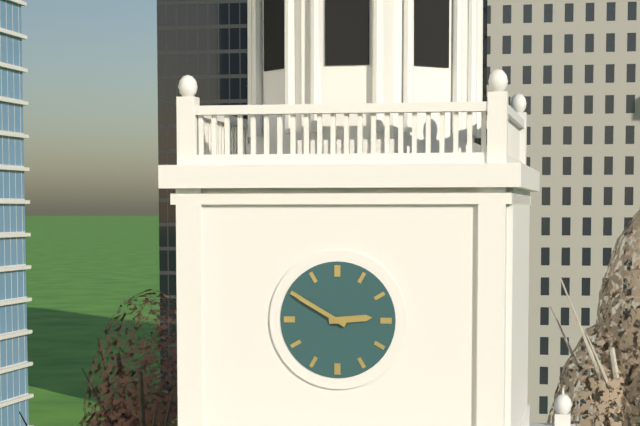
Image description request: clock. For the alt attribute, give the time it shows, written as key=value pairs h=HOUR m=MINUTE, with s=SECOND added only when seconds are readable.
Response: h=2 m=50
